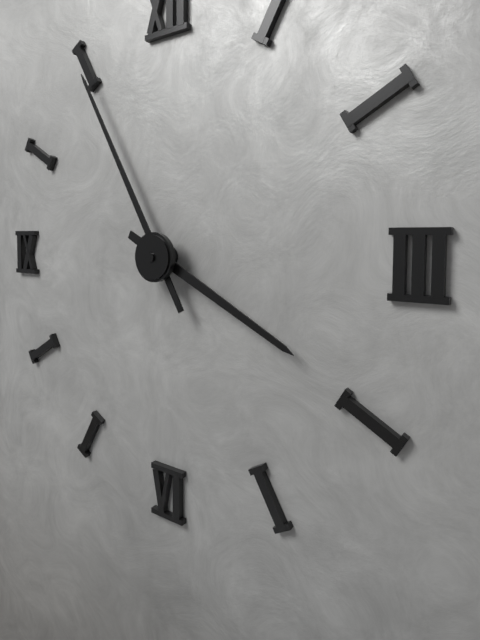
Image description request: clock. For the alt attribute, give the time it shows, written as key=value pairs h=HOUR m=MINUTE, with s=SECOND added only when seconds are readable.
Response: h=3 m=55
